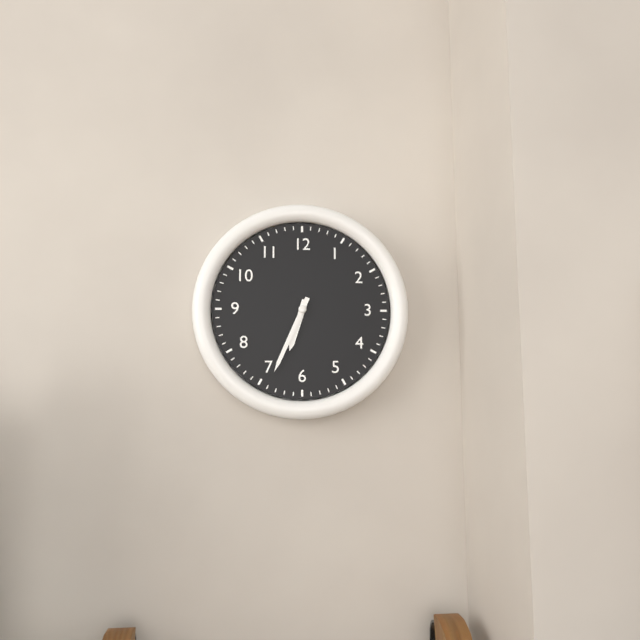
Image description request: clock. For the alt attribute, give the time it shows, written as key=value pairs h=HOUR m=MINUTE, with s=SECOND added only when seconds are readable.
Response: h=6 m=34
